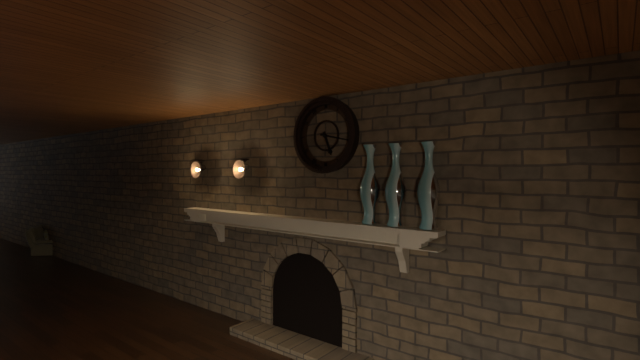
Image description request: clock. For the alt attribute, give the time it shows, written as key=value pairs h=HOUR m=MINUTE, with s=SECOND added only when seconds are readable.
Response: h=5 m=17
